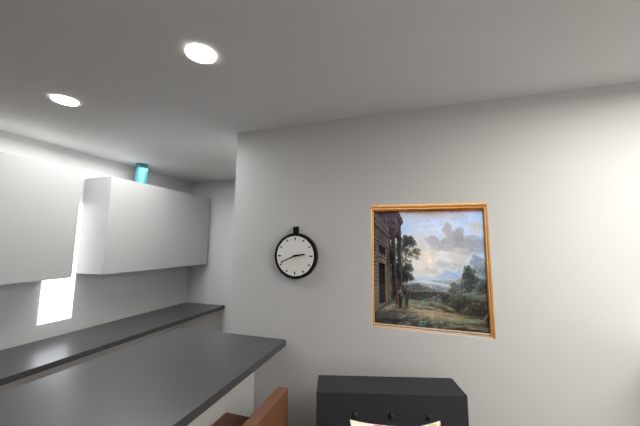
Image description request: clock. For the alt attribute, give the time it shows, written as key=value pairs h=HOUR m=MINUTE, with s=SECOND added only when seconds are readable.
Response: h=2 m=41
